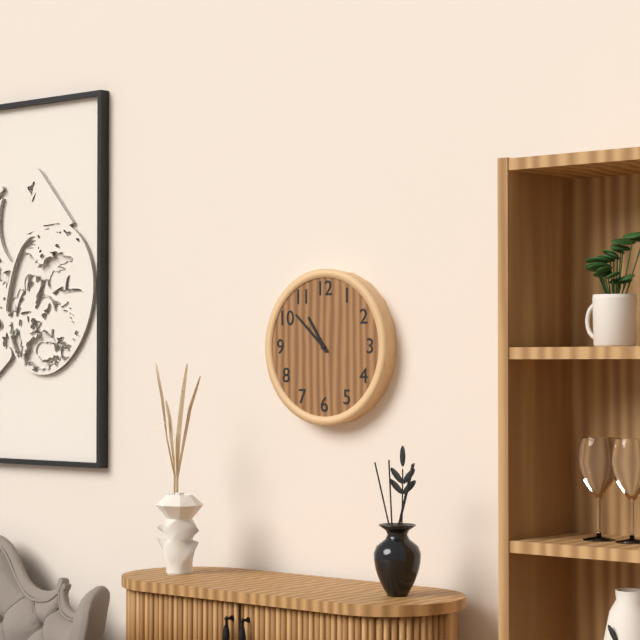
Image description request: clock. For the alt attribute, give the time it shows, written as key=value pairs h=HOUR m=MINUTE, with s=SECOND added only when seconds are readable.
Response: h=10 m=52
